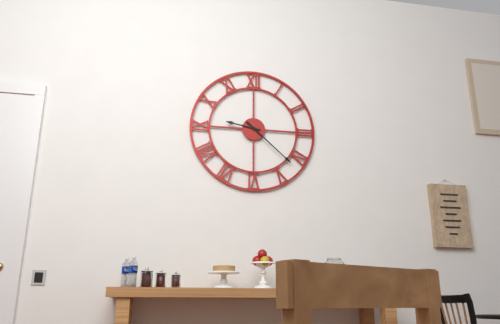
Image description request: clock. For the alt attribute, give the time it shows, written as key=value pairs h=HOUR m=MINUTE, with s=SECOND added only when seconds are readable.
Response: h=9 m=22
